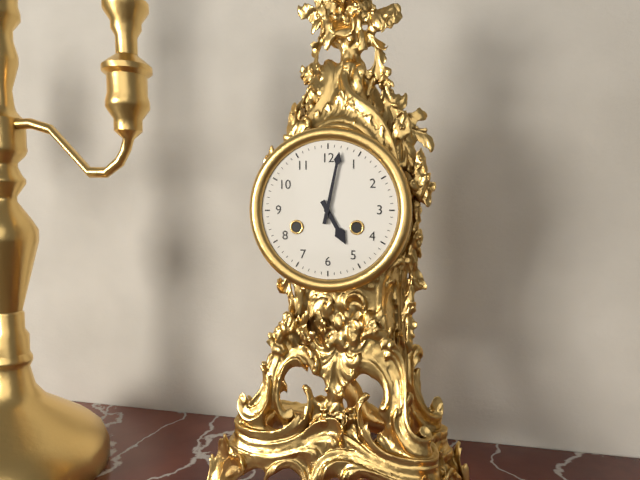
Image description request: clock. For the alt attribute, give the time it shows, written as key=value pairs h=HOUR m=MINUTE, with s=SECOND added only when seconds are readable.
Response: h=5 m=2
